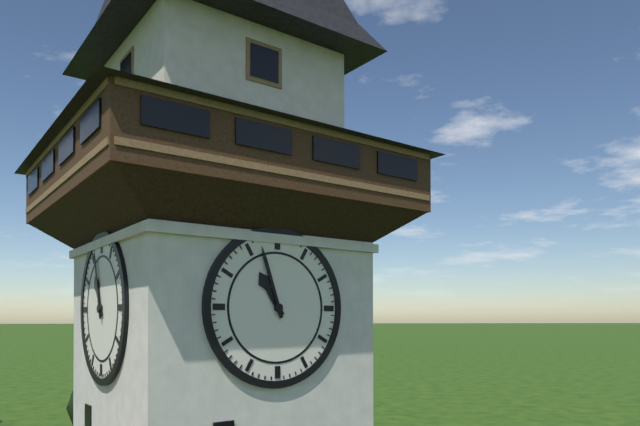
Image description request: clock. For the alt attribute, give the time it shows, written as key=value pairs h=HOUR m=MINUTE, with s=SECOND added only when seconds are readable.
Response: h=10 m=57
